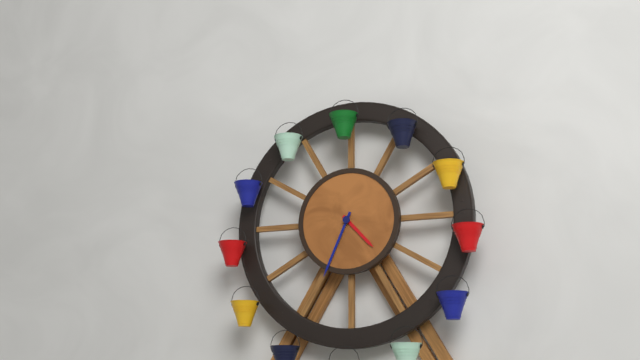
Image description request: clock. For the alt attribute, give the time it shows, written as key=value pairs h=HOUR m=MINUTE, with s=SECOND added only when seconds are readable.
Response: h=4 m=34
